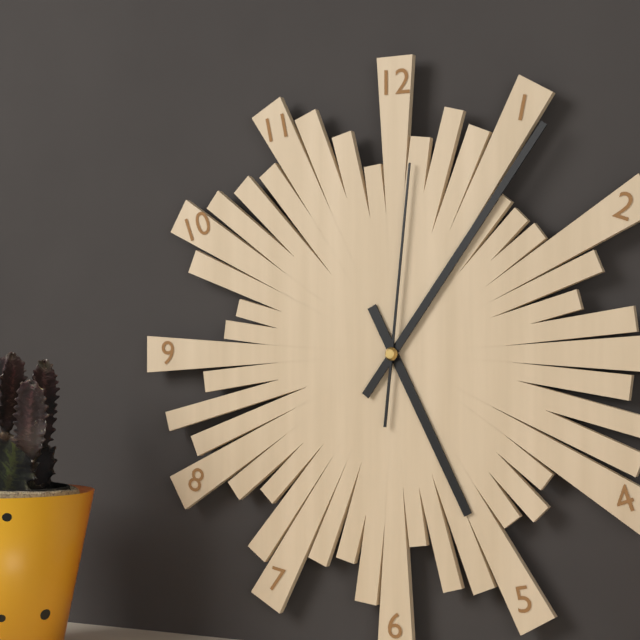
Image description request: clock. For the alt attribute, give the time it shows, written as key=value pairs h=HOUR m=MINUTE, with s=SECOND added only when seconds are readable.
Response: h=5 m=6 s=1
